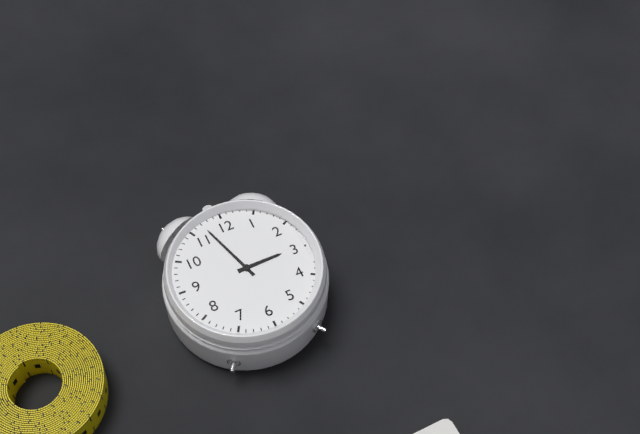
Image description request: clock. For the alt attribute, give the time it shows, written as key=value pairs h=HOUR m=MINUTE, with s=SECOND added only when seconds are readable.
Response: h=2 m=57
